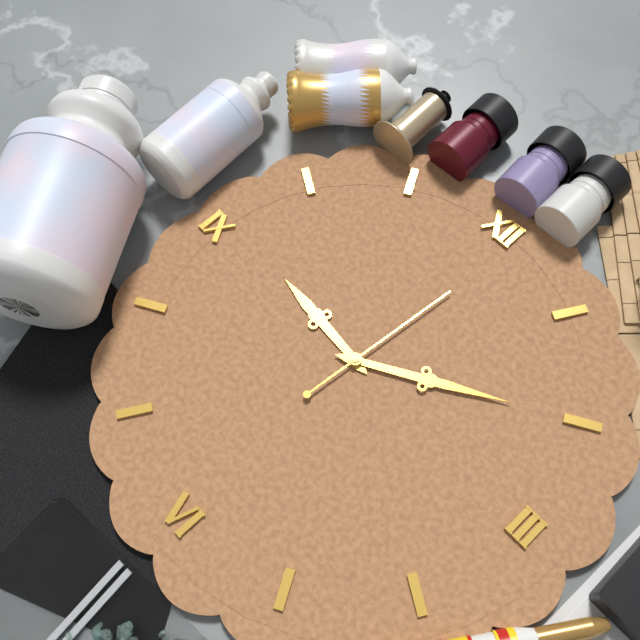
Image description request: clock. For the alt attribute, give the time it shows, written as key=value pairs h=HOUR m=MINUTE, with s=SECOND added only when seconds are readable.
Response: h=9 m=10 s=1
